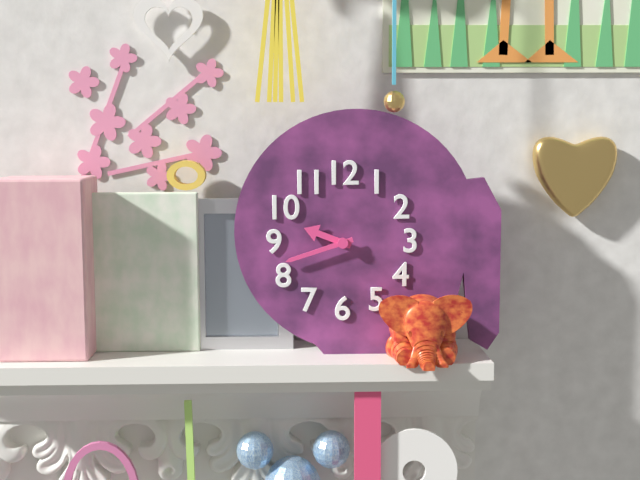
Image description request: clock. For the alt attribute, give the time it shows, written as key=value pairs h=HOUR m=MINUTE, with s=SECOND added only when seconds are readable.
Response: h=9 m=42
